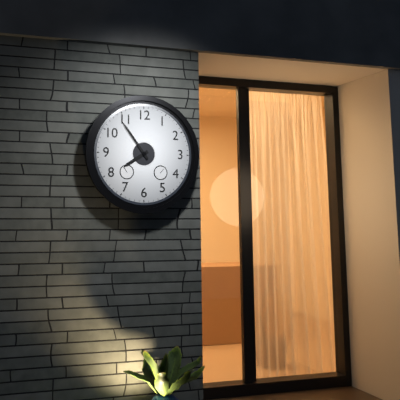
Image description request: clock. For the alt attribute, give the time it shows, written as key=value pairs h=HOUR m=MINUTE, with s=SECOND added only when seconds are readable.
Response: h=7 m=54
